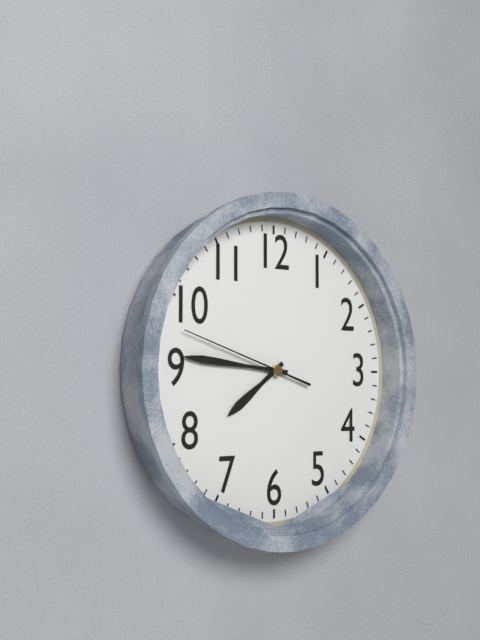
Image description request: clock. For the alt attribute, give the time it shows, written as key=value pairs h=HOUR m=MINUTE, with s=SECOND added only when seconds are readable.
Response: h=7 m=46 s=48
